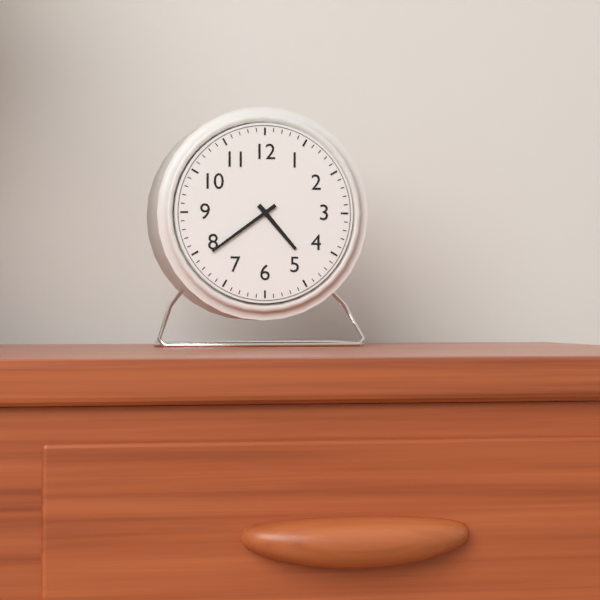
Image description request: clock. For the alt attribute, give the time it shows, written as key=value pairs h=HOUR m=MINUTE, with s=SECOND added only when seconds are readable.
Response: h=4 m=39
